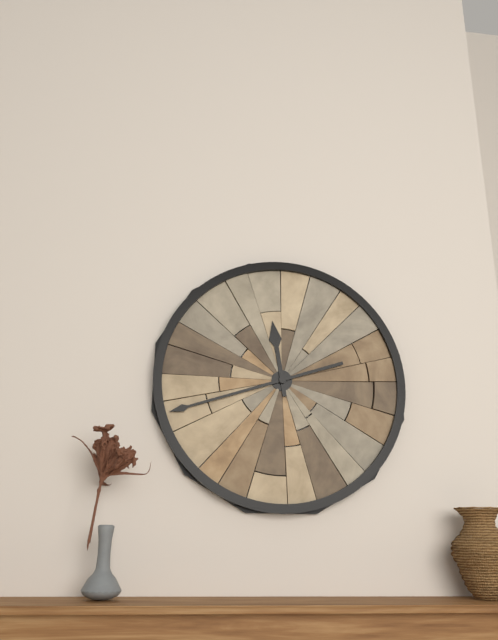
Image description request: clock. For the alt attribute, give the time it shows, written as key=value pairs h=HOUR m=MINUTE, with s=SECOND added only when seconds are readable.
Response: h=11 m=42
